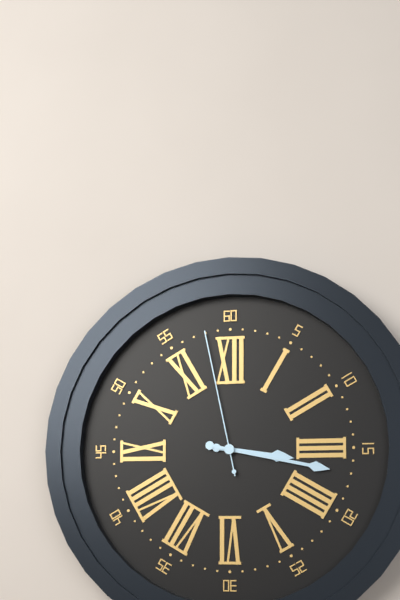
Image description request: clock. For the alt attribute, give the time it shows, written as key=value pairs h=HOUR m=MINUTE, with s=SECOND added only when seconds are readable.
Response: h=3 m=17 s=58
